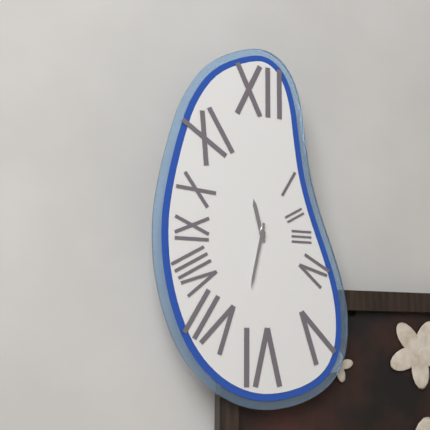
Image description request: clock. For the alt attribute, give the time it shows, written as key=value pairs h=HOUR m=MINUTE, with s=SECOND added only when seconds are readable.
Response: h=11 m=32
